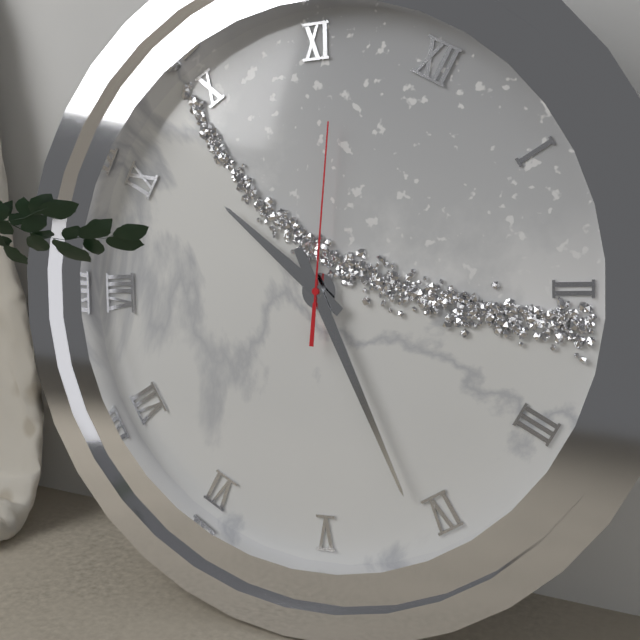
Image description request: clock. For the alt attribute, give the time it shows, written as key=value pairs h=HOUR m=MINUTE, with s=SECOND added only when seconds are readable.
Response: h=9 m=21 s=56
